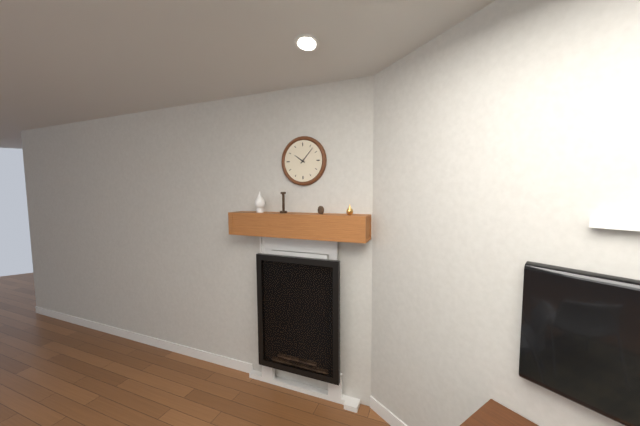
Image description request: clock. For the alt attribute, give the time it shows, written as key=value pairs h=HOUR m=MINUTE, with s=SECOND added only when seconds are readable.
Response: h=10 m=7
